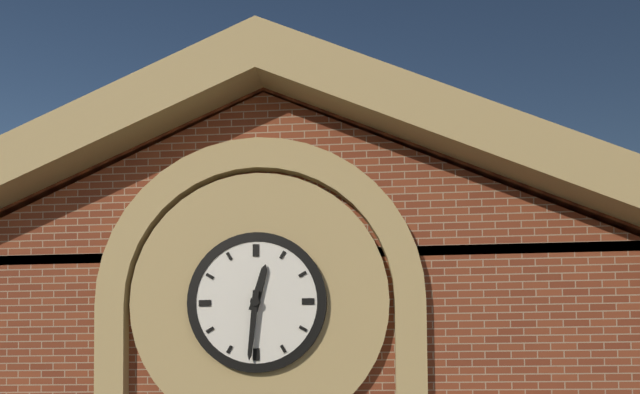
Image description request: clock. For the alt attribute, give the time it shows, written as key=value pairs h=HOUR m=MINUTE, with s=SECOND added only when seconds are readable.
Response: h=12 m=31
